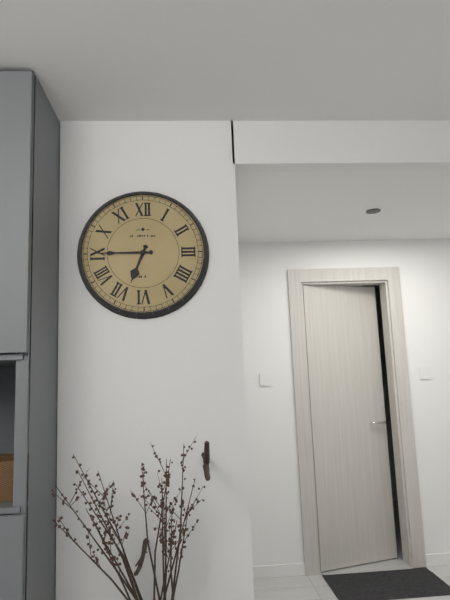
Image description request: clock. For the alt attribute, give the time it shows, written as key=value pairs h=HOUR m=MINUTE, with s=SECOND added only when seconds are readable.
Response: h=6 m=45
